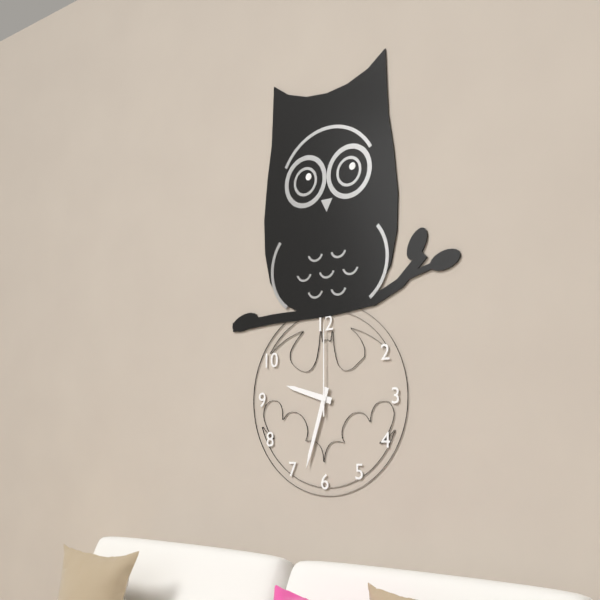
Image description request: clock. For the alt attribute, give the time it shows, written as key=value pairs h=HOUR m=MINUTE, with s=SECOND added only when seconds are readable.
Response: h=9 m=33 s=0
